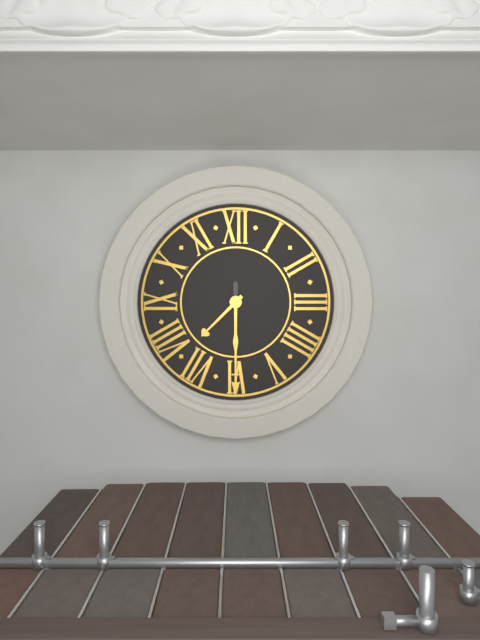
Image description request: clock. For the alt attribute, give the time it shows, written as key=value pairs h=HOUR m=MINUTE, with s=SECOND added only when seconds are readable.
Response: h=7 m=30
